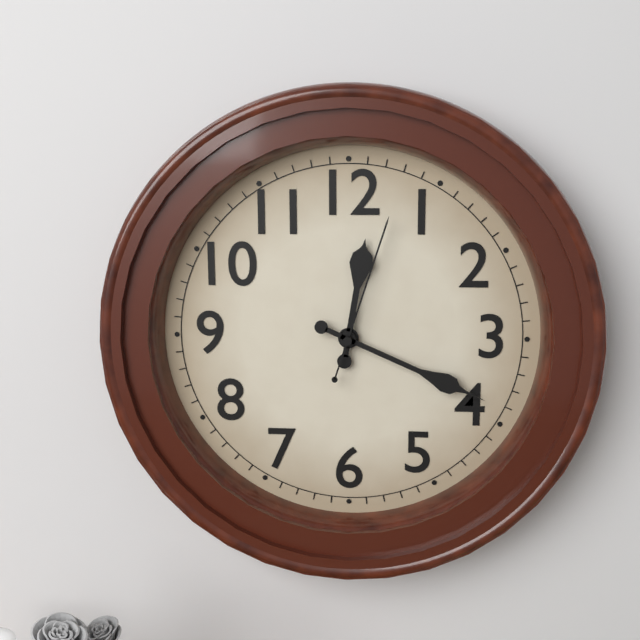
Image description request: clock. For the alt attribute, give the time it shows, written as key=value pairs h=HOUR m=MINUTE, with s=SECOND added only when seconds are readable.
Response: h=12 m=19 s=3
